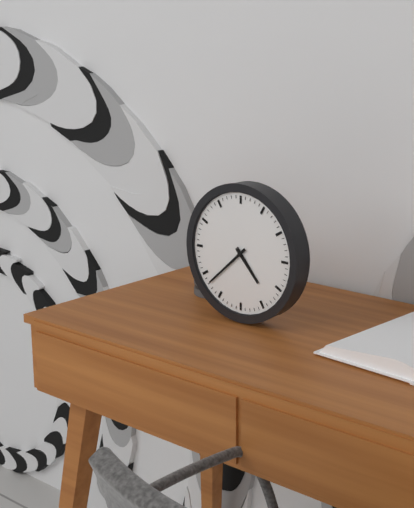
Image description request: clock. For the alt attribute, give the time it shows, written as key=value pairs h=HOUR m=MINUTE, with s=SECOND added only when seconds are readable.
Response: h=4 m=38
